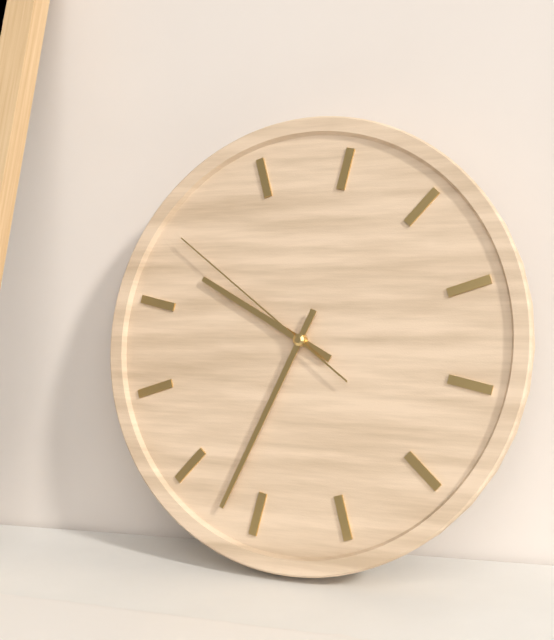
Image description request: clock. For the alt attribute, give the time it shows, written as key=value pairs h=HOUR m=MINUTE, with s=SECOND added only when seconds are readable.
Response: h=9 m=32 s=49
